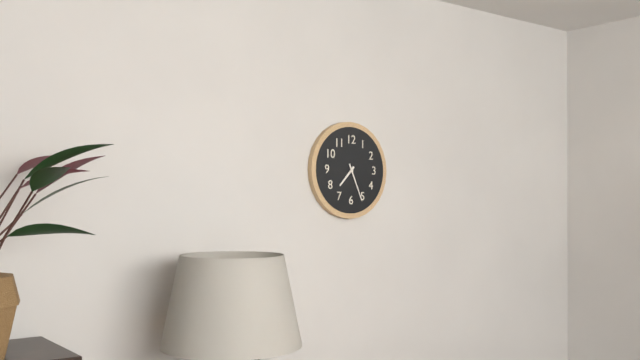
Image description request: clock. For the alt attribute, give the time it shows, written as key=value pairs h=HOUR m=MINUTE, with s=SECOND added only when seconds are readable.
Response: h=7 m=26
